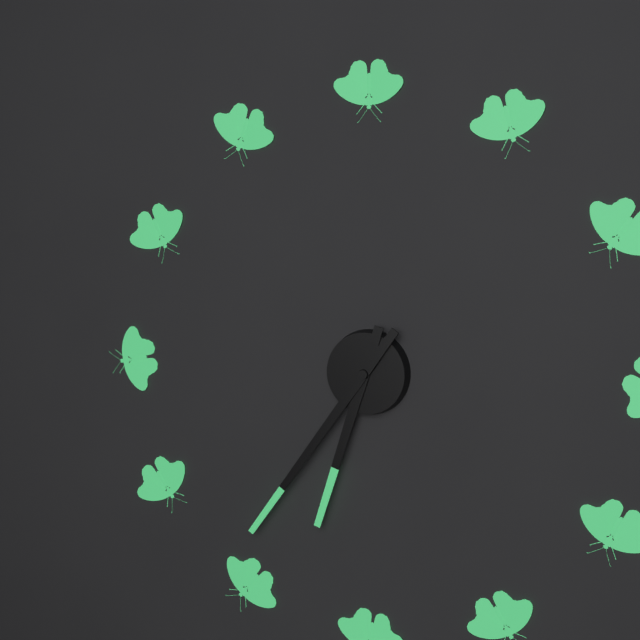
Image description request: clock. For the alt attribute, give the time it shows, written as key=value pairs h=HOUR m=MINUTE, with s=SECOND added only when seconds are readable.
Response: h=6 m=36
